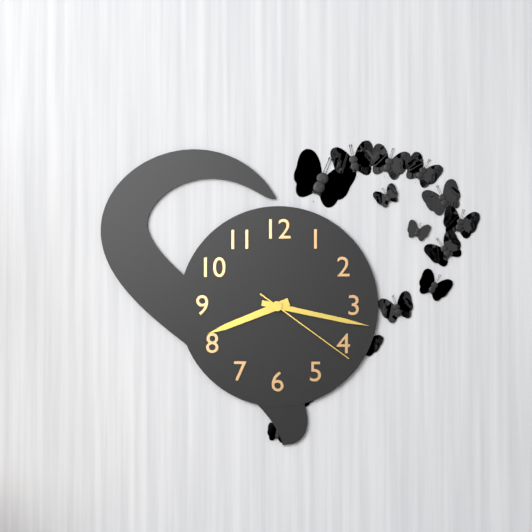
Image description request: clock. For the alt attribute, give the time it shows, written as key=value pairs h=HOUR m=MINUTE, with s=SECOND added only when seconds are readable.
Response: h=8 m=17 s=21
